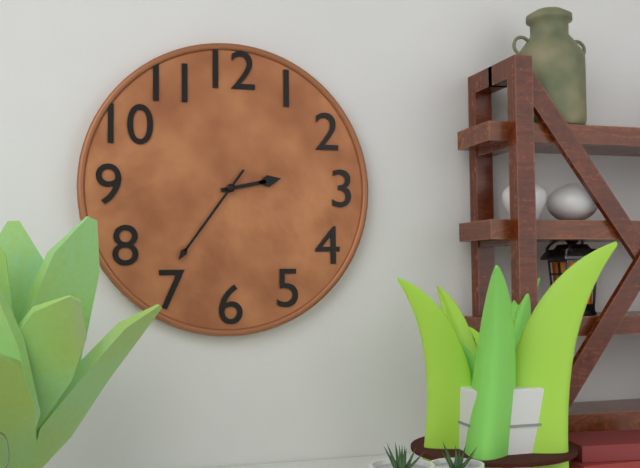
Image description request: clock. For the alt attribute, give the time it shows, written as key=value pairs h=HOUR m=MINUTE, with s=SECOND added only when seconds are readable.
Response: h=2 m=36
